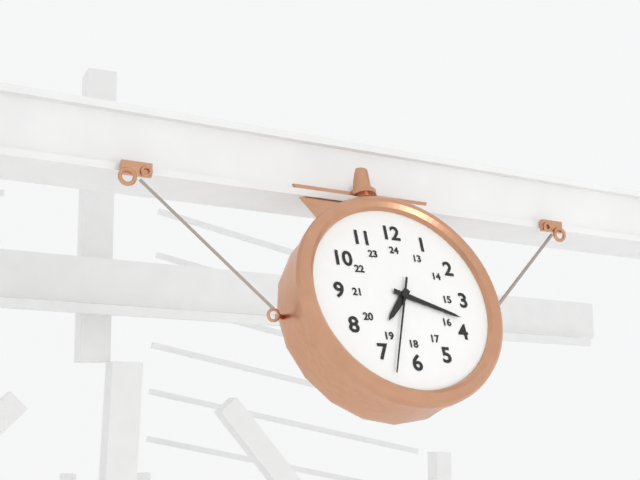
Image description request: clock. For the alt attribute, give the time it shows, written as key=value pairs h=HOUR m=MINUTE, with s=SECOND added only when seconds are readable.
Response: h=7 m=18 s=33
